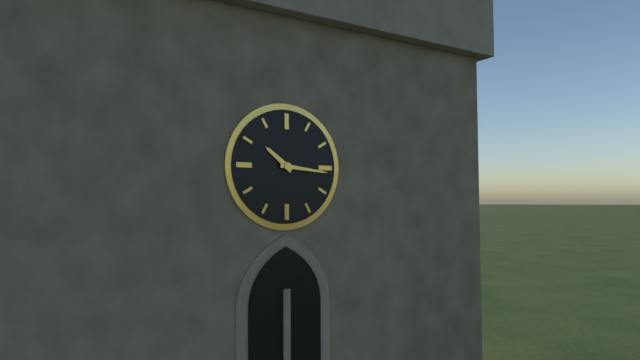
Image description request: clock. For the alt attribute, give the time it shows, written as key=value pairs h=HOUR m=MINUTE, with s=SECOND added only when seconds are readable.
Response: h=10 m=16
